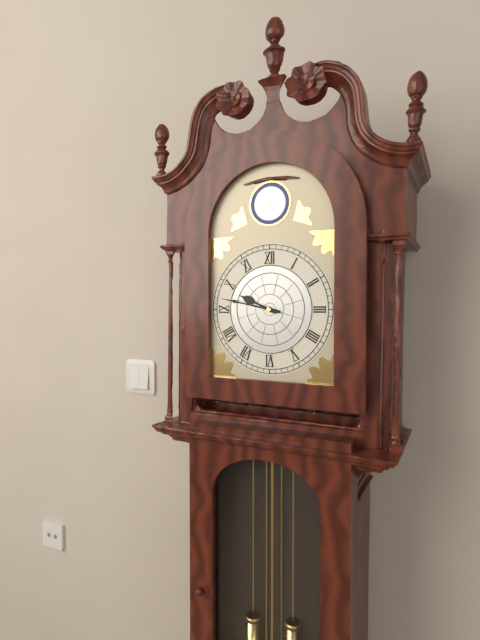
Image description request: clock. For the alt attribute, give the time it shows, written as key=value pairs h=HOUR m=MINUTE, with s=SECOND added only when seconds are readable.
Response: h=9 m=47
